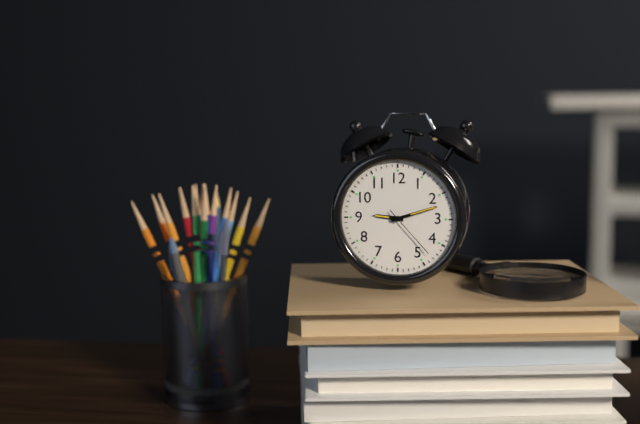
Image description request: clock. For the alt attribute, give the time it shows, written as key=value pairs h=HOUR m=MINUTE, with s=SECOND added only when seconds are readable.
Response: h=9 m=12 s=23
